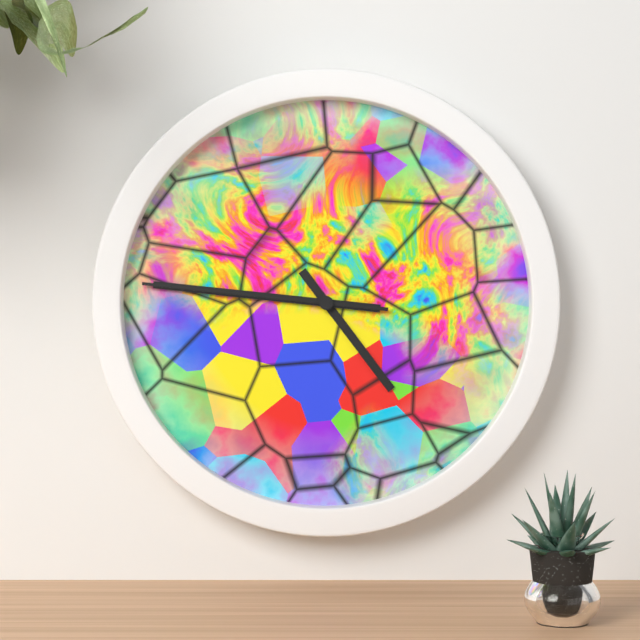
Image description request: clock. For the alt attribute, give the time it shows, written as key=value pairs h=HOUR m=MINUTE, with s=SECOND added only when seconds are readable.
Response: h=4 m=46 s=46
